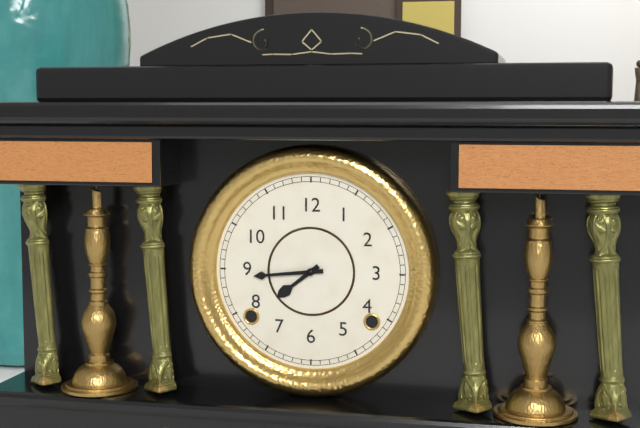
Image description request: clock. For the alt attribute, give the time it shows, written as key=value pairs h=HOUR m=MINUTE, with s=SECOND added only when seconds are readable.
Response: h=7 m=44
